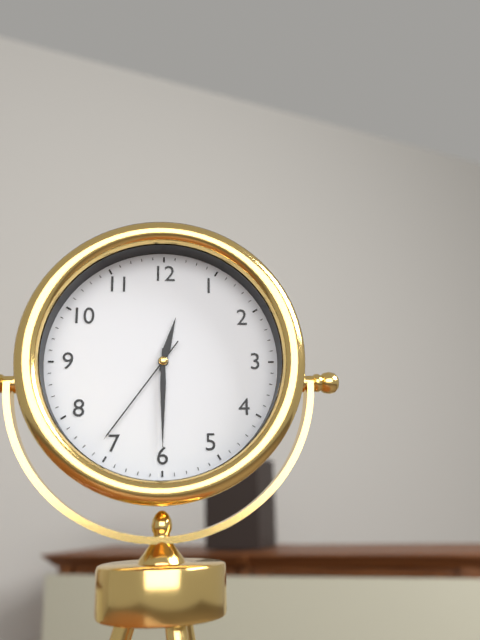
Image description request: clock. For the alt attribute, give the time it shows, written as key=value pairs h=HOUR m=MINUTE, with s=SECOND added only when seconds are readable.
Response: h=12 m=30 s=36
